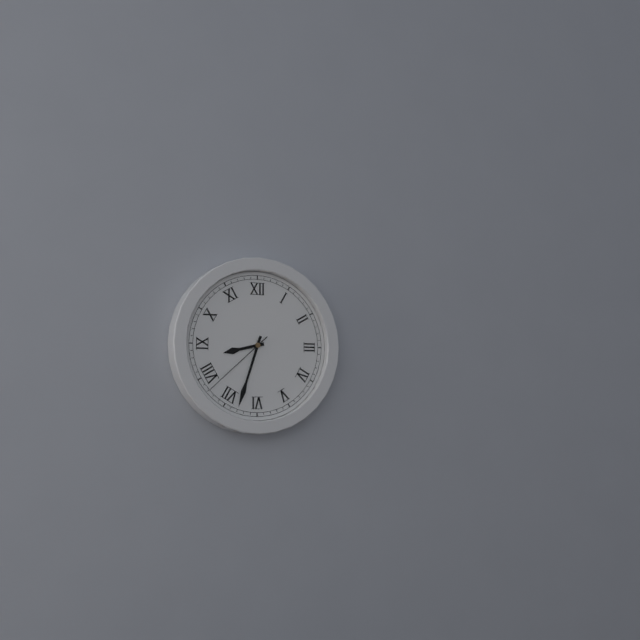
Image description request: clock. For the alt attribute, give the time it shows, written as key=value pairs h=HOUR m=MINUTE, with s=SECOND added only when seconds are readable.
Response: h=8 m=33 s=38
